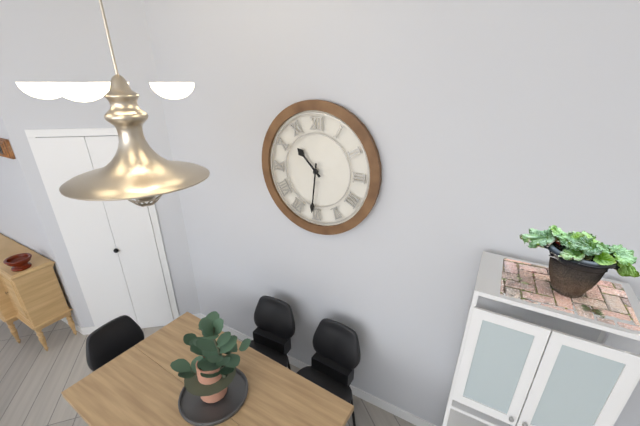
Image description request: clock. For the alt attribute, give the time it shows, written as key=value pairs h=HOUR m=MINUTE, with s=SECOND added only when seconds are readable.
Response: h=10 m=31
